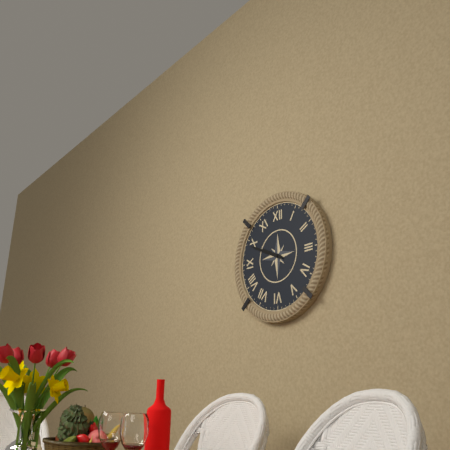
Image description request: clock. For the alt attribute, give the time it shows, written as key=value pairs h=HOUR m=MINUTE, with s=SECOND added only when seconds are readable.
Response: h=9 m=49
